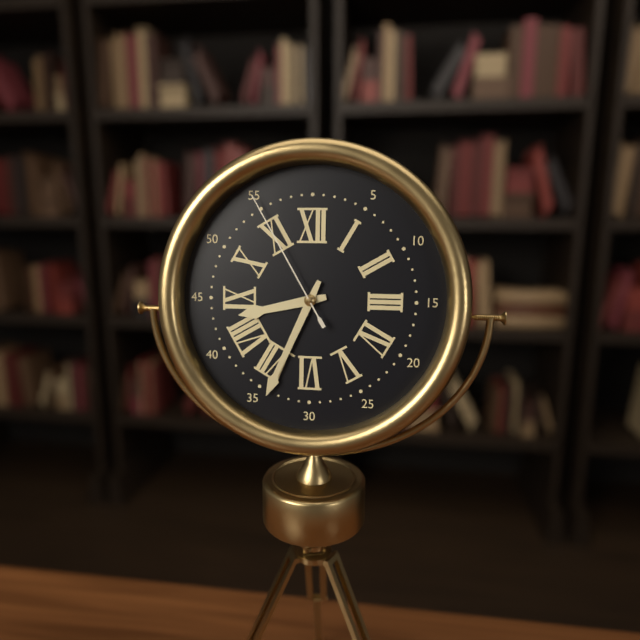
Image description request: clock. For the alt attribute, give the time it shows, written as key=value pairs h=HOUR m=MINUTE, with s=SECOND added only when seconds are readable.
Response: h=8 m=34 s=55
